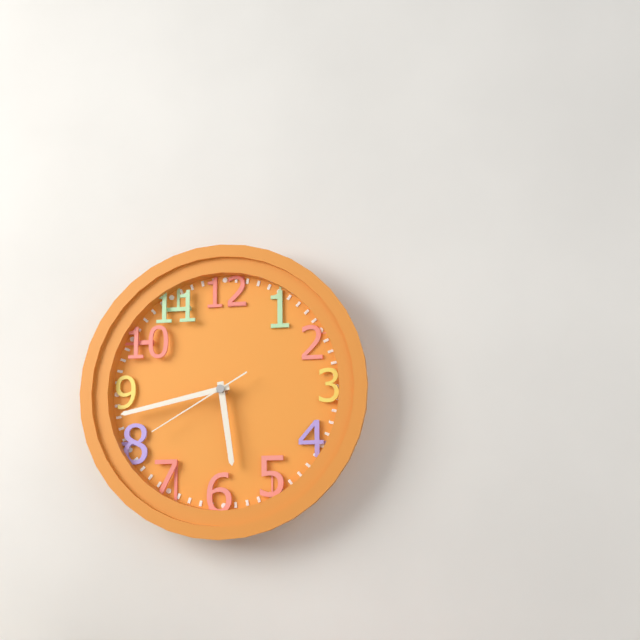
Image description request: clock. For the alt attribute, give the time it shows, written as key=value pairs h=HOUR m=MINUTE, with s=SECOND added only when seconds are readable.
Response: h=5 m=43 s=40
